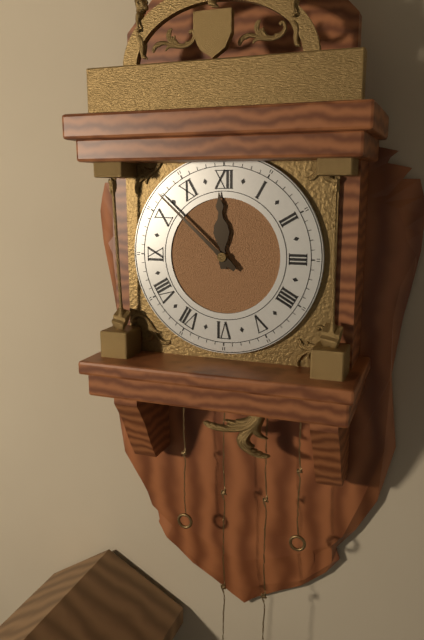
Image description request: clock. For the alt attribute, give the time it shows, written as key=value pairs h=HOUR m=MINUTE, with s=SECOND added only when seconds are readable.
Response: h=11 m=52
